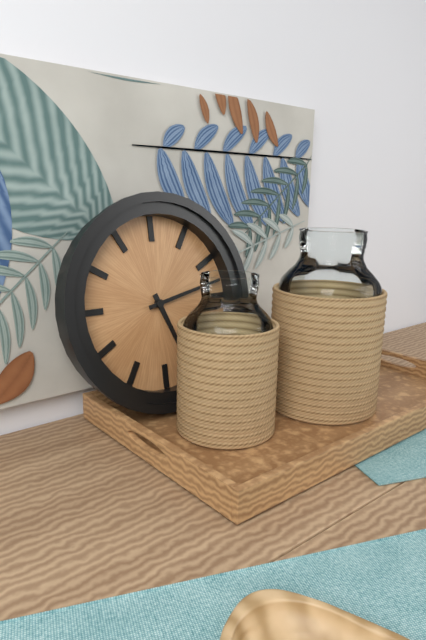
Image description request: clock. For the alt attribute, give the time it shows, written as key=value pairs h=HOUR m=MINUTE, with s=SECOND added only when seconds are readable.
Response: h=5 m=13
